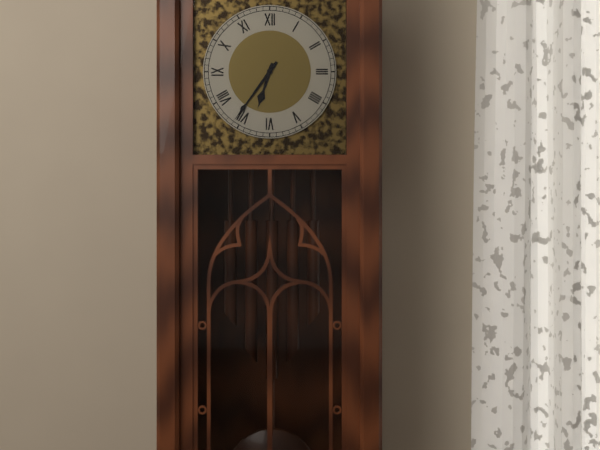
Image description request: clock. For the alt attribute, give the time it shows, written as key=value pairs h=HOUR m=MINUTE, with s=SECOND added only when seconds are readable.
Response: h=6 m=36
